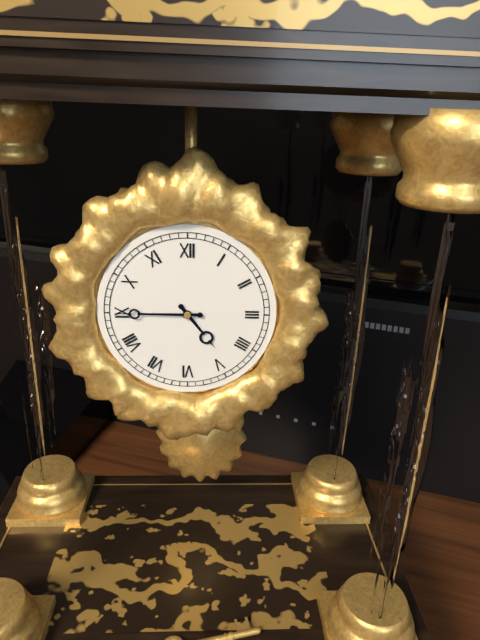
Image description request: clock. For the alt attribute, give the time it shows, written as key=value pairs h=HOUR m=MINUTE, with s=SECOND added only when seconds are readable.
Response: h=4 m=45
